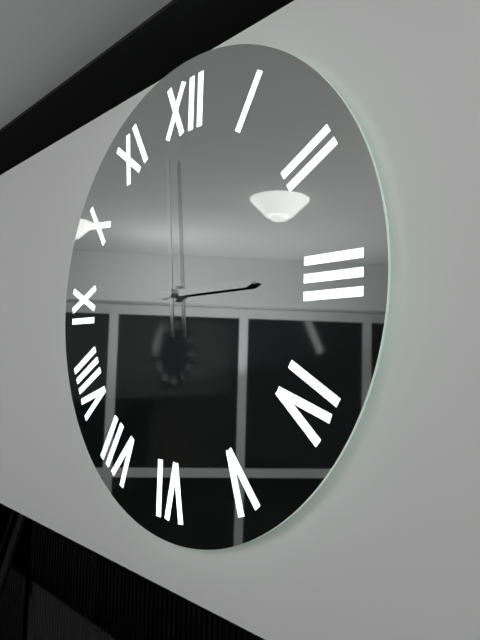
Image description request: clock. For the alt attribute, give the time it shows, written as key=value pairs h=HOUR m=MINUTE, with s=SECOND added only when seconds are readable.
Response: h=2 m=59
